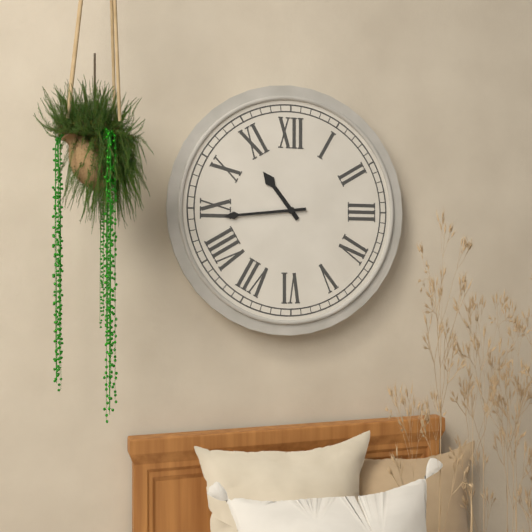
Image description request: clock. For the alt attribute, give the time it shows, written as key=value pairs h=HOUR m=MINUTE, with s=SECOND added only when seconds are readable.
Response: h=10 m=44
